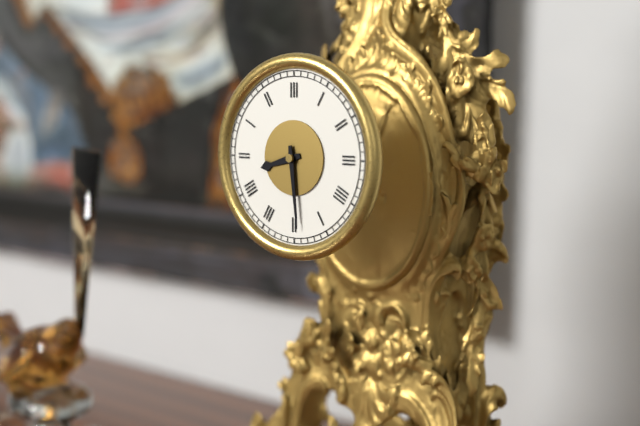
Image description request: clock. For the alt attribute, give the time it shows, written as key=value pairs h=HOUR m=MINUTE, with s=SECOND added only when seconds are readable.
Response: h=8 m=29
